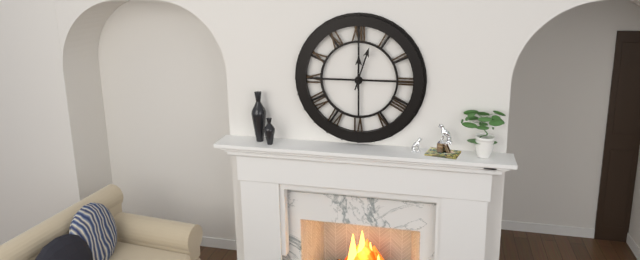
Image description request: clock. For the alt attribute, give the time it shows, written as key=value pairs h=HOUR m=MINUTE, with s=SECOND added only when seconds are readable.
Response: h=12 m=3
